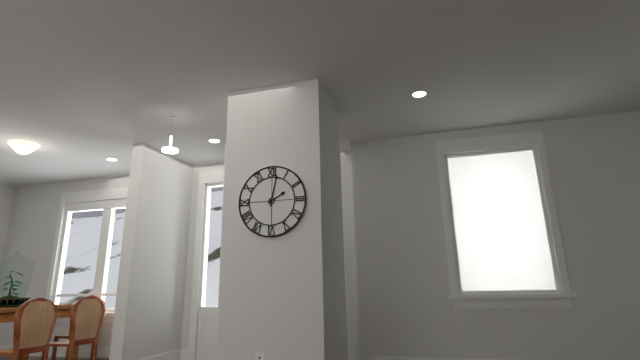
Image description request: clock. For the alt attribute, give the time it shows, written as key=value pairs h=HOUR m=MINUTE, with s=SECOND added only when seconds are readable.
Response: h=2 m=2
